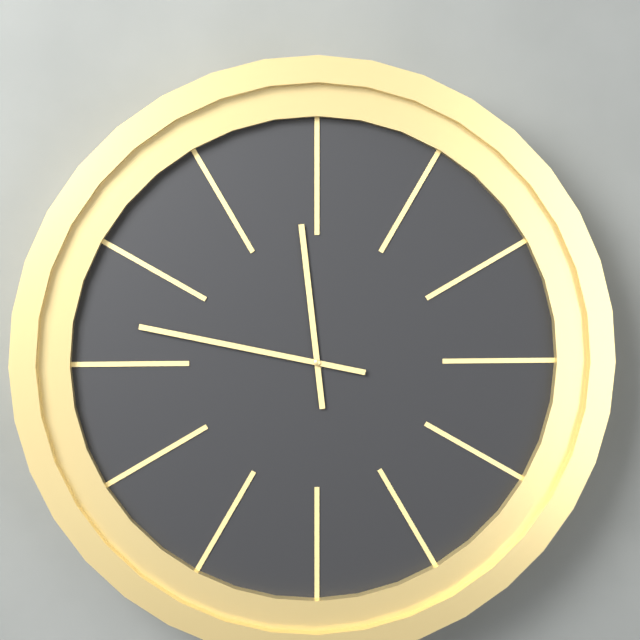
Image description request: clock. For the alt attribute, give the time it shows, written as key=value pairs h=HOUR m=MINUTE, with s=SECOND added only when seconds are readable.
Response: h=11 m=47
